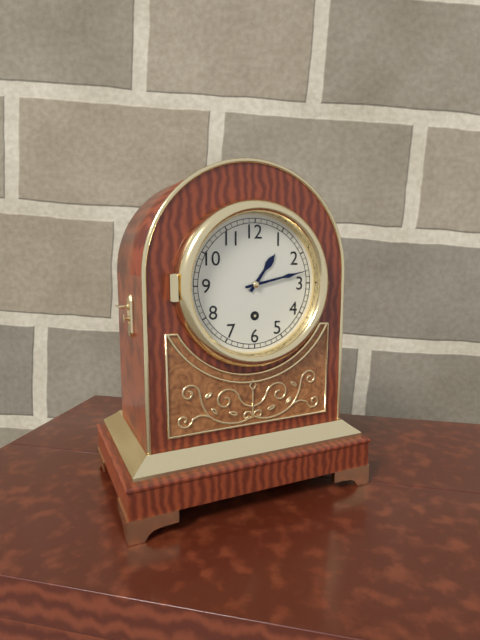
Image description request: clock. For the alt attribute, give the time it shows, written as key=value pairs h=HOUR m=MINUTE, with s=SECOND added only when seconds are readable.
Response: h=1 m=13
